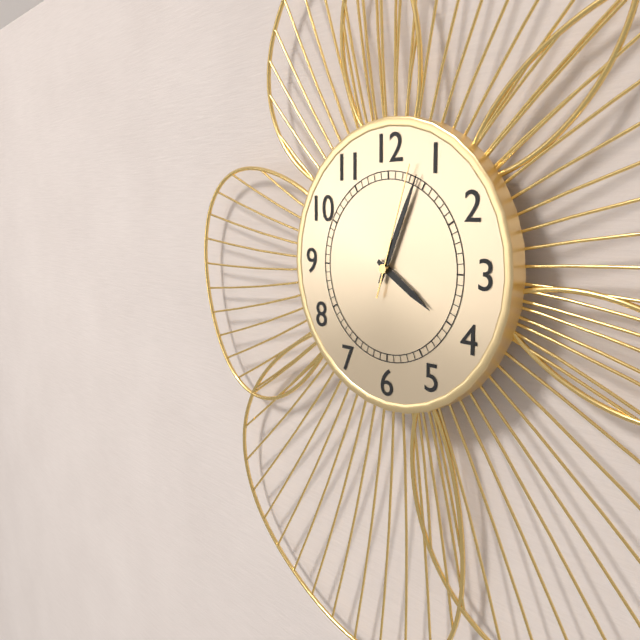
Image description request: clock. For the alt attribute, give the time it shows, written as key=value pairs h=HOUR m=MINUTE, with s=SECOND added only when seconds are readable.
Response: h=4 m=4 s=3
